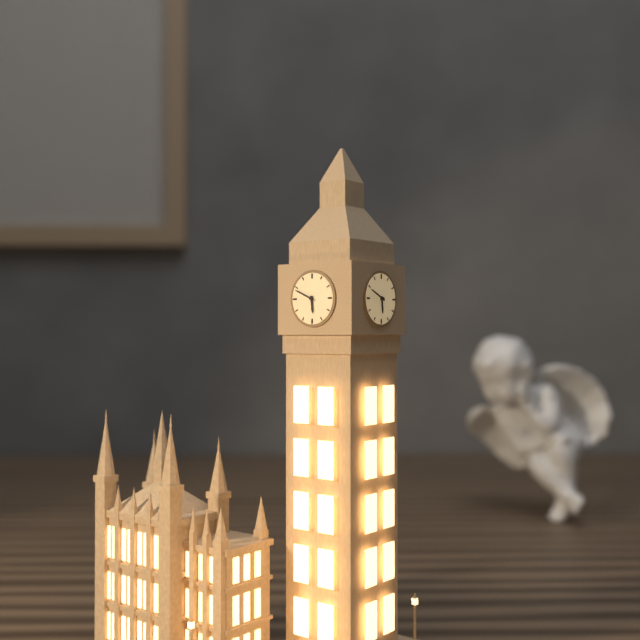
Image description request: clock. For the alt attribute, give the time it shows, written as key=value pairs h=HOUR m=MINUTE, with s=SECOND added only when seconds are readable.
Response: h=5 m=49
